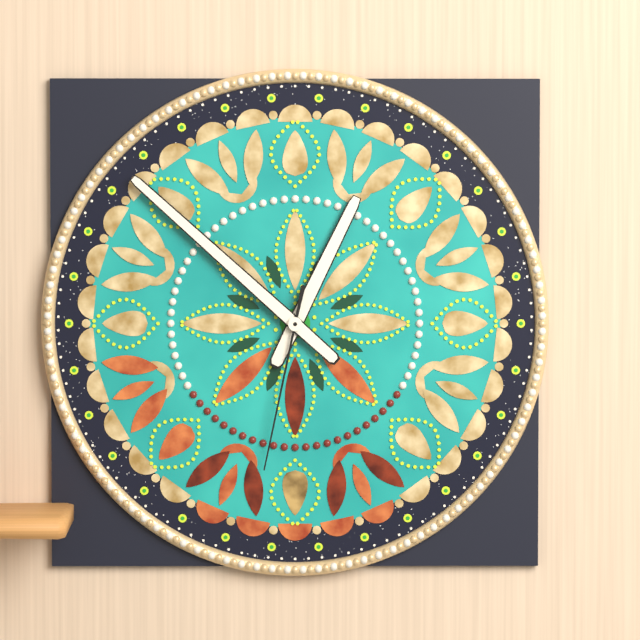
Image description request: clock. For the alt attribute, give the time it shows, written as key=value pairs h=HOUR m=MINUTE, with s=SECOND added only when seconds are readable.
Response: h=12 m=52 s=32
